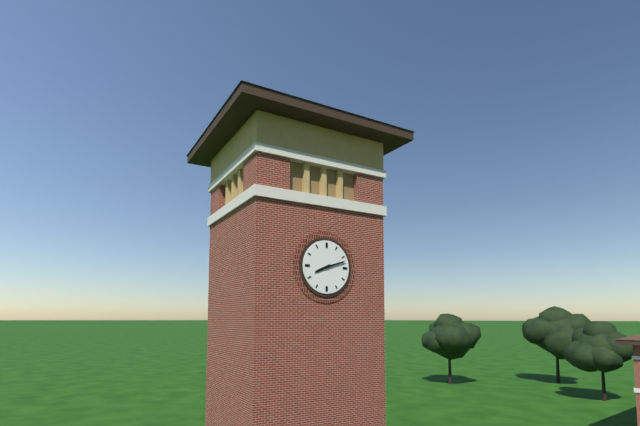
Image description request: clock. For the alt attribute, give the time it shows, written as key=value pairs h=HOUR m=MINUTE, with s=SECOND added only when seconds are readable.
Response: h=8 m=12
